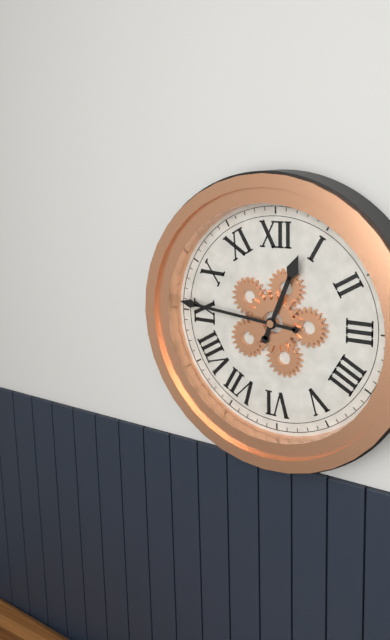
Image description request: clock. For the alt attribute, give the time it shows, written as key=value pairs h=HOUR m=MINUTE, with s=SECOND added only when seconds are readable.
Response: h=12 m=46
